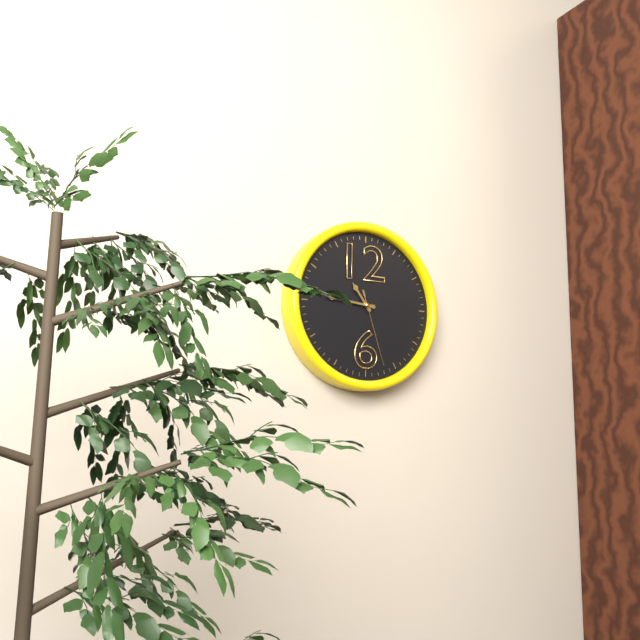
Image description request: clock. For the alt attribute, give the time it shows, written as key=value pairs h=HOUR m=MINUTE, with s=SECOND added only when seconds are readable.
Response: h=10 m=46 s=27
